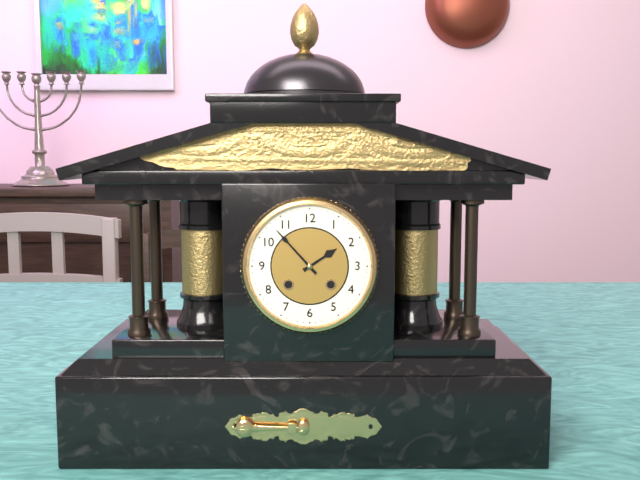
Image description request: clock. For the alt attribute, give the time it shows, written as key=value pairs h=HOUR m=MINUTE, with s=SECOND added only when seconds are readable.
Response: h=1 m=53
